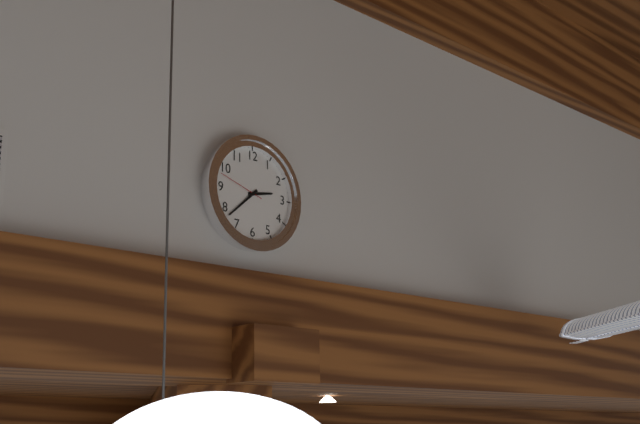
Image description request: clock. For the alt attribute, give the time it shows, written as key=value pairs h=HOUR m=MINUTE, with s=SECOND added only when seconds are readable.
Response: h=2 m=38
